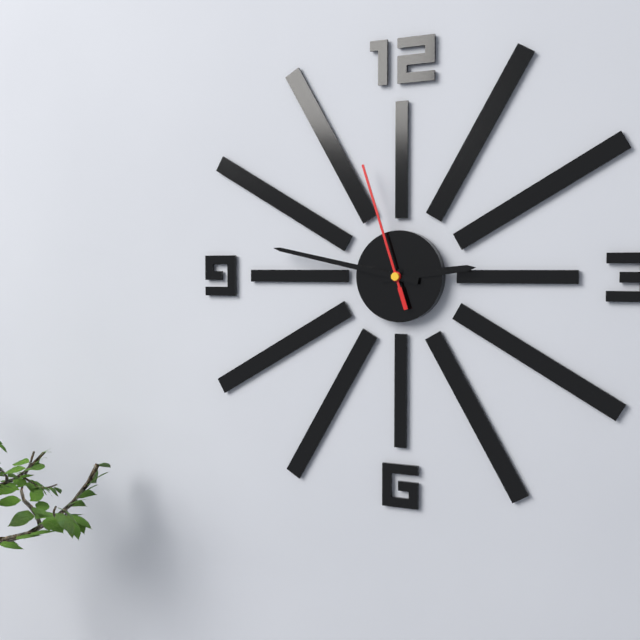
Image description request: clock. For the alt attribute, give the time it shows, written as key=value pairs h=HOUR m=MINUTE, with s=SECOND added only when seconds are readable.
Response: h=2 m=47 s=57
